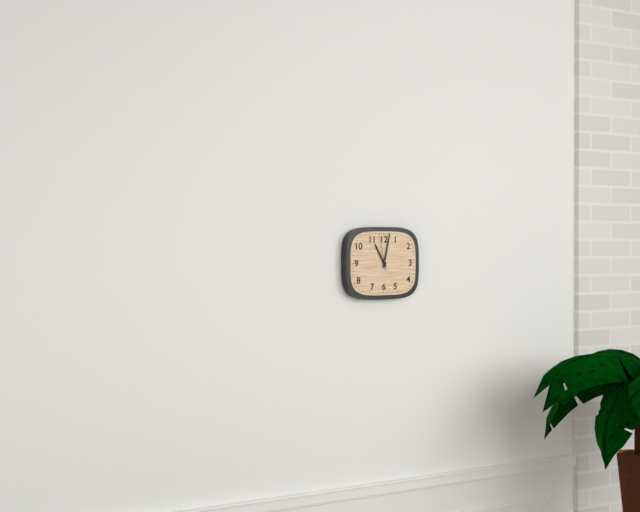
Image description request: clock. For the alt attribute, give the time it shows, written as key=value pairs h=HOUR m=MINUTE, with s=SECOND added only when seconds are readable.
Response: h=11 m=2
